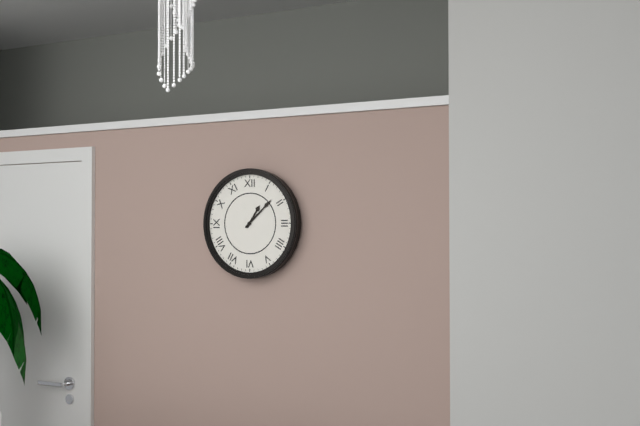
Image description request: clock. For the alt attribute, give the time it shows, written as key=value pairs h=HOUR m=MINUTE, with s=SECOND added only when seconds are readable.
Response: h=1 m=8
